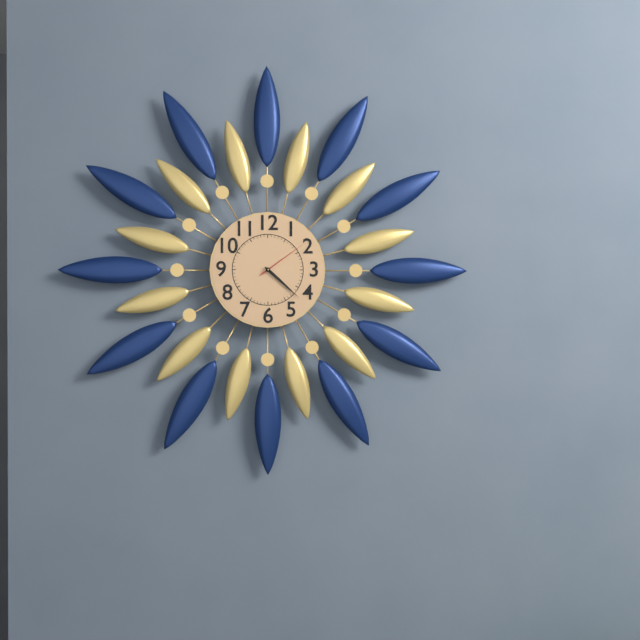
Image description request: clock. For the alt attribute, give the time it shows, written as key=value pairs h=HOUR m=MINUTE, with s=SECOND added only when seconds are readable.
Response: h=4 m=22 s=9
